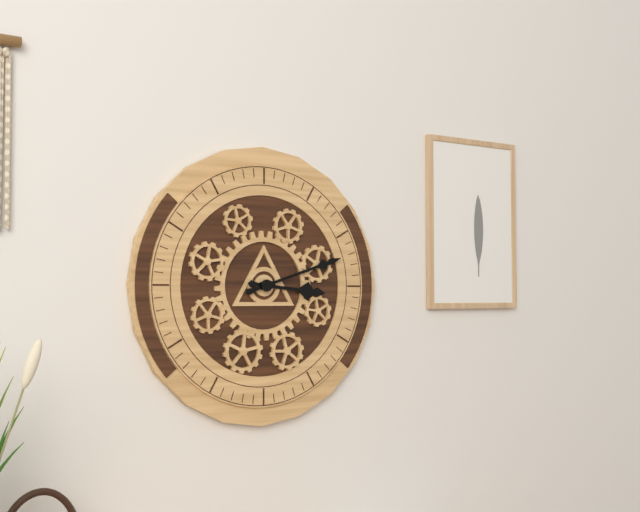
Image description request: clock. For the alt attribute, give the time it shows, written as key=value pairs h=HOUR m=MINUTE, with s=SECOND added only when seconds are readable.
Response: h=3 m=12
